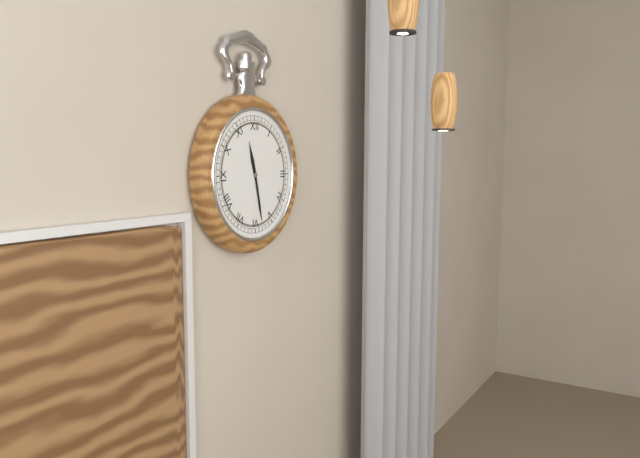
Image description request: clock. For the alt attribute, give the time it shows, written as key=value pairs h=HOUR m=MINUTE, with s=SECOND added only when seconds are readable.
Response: h=11 m=28
